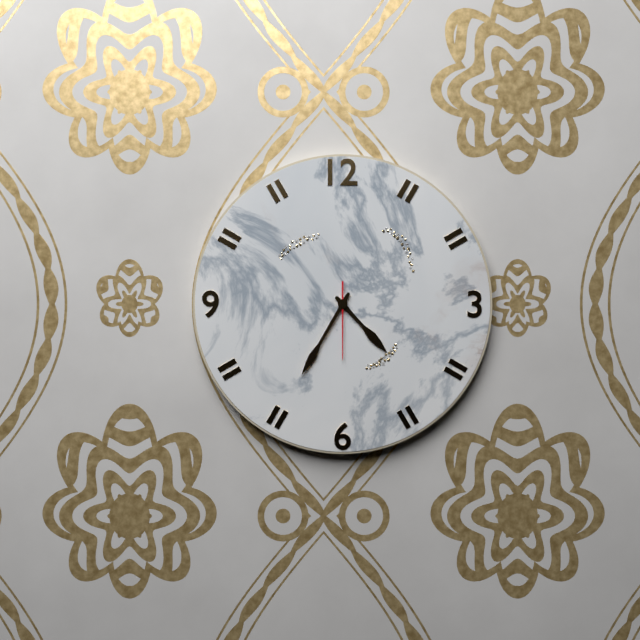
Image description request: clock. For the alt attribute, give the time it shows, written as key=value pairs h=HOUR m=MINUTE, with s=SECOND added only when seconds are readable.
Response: h=4 m=35 s=30
